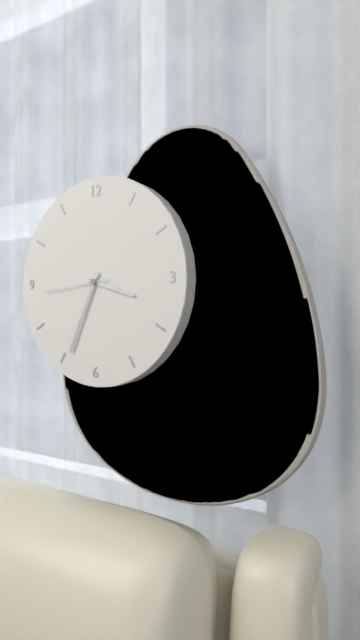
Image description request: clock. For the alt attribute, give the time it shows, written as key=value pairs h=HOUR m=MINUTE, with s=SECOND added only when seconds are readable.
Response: h=3 m=34 s=44
